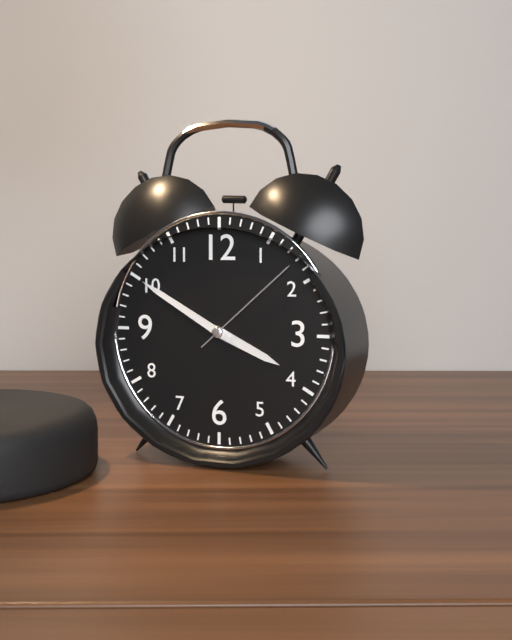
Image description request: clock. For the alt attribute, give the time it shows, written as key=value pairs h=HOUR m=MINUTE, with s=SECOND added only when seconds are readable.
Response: h=3 m=50 s=8
